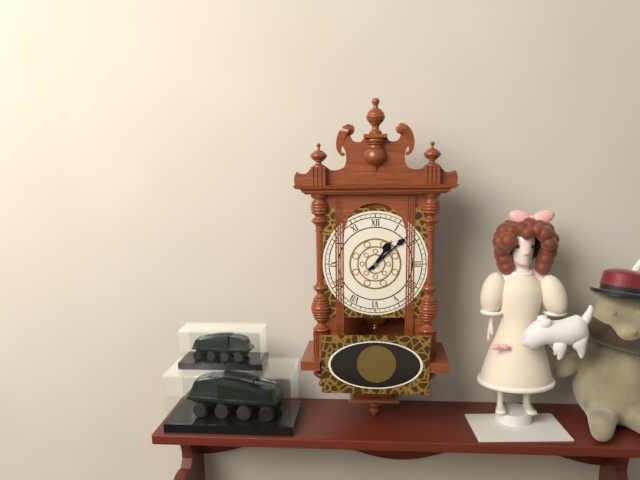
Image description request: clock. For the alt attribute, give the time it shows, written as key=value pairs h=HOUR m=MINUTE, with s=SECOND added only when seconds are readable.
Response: h=1 m=8
